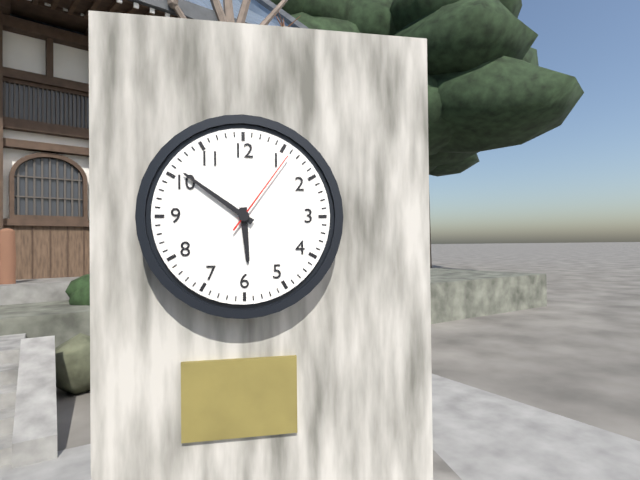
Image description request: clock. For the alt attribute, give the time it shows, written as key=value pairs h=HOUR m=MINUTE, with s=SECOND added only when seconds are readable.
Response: h=5 m=51 s=6
